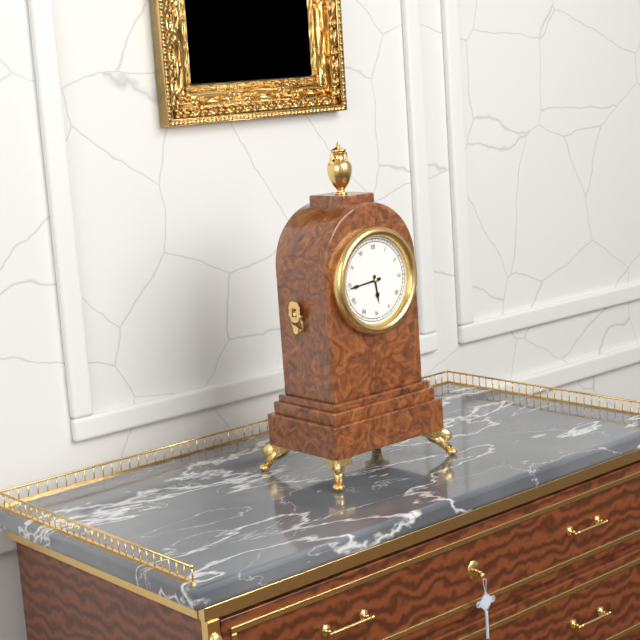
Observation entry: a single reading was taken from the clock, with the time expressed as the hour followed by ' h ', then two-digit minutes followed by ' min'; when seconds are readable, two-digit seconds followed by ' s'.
5 h 44 min
